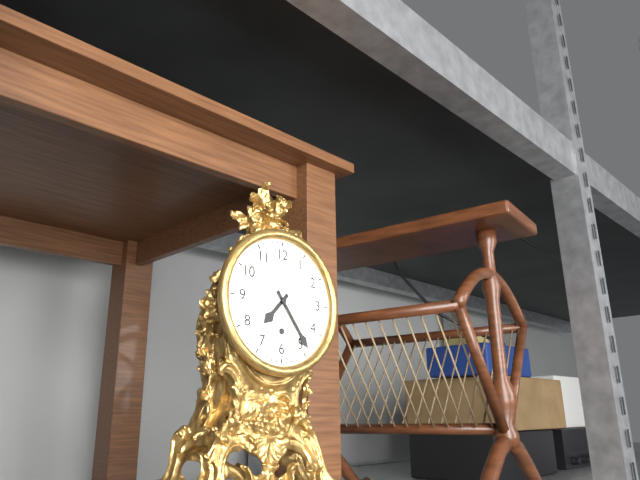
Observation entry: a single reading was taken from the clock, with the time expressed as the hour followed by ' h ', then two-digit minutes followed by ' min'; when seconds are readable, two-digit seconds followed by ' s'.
7 h 24 min
